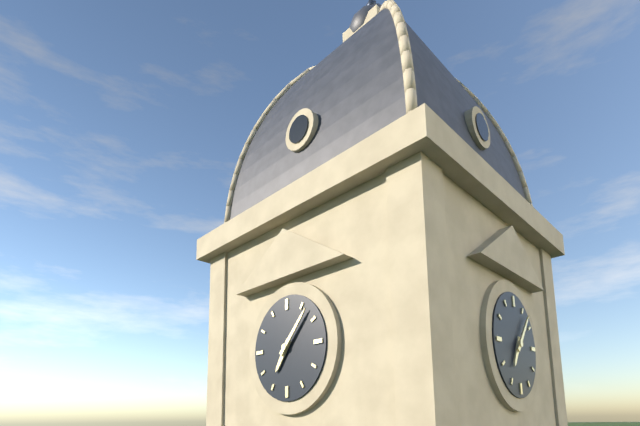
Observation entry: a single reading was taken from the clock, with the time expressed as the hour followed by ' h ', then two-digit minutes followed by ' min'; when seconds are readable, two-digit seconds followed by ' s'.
7 h 07 min
